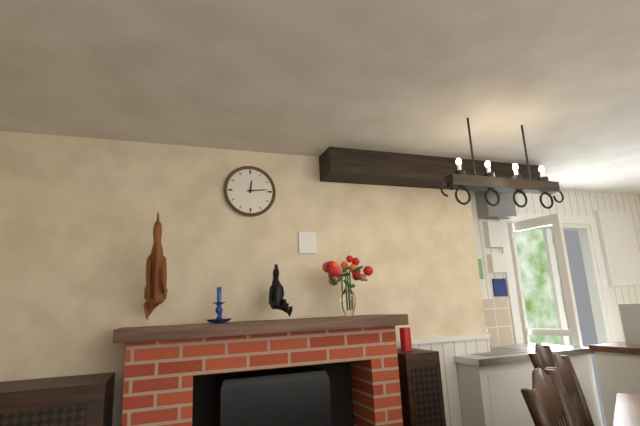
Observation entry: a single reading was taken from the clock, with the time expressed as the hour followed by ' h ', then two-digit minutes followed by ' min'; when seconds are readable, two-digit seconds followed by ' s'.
12 h 14 min
